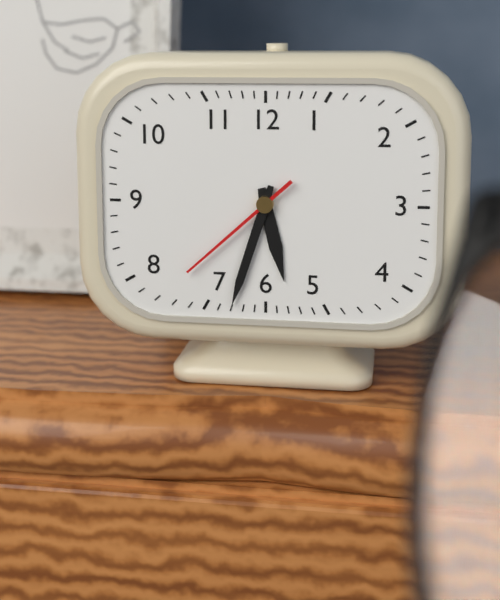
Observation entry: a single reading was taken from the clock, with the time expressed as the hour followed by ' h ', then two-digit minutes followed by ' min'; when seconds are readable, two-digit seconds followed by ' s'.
5 h 33 min 38 s
